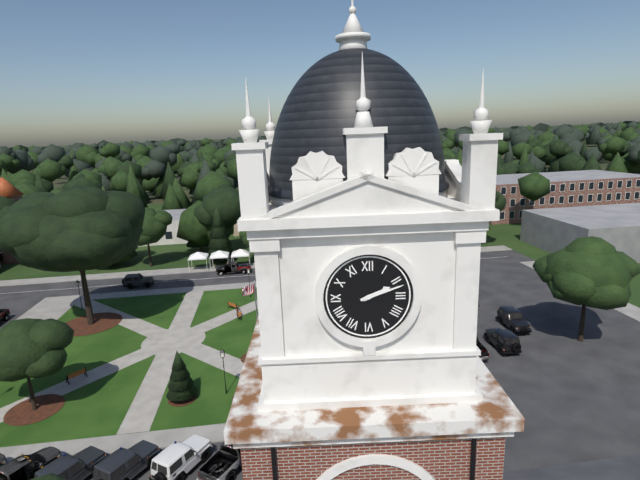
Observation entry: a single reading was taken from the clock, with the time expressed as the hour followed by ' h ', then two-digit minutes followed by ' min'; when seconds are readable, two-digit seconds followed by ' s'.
2 h 12 min
